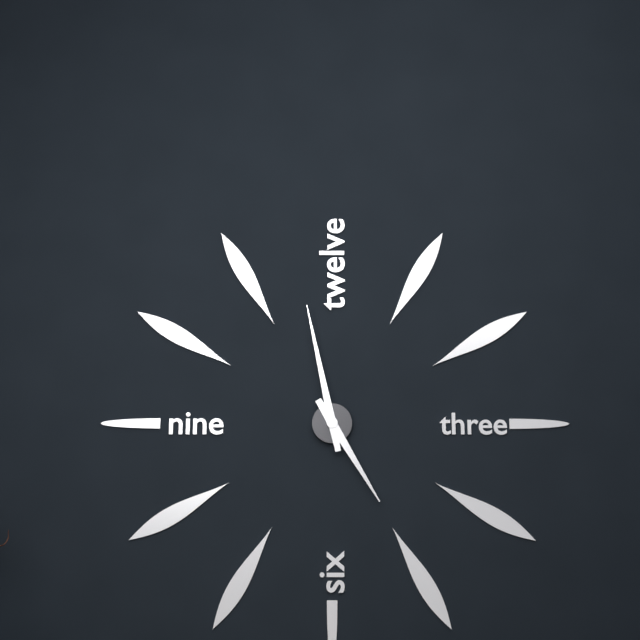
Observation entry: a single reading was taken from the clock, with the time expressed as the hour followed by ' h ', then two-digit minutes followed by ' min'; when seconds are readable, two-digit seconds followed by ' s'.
4 h 58 min
